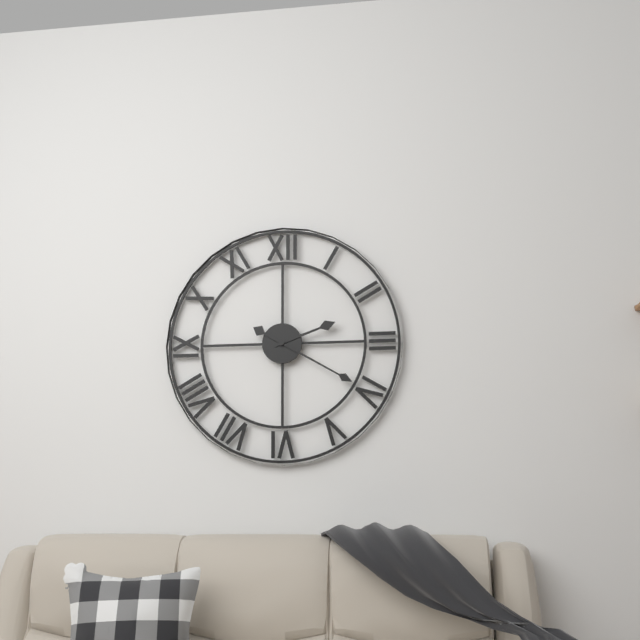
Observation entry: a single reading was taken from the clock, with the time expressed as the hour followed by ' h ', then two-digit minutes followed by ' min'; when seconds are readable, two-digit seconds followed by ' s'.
2 h 20 min
